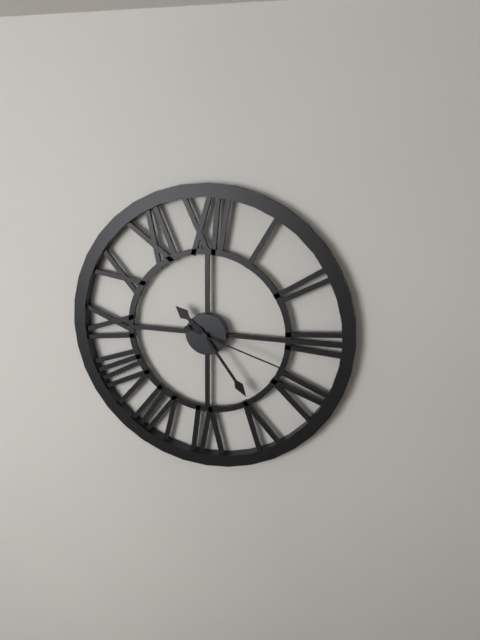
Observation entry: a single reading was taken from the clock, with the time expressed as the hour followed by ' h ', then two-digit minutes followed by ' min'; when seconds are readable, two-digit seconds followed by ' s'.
10 h 24 min 18 s
